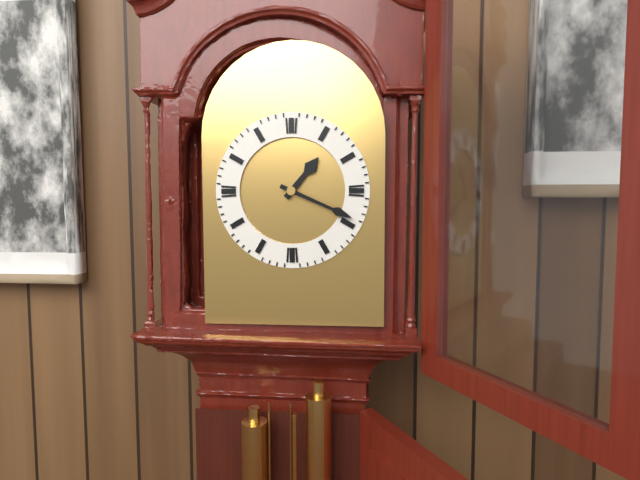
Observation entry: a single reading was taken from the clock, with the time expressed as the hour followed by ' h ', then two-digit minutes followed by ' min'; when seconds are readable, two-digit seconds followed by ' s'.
1 h 19 min
